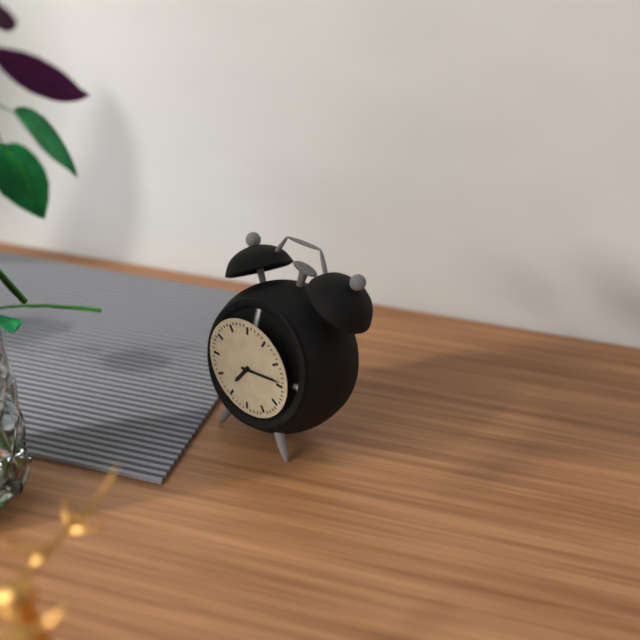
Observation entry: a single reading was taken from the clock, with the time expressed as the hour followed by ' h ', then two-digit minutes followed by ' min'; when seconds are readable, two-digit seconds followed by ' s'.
7 h 14 min
